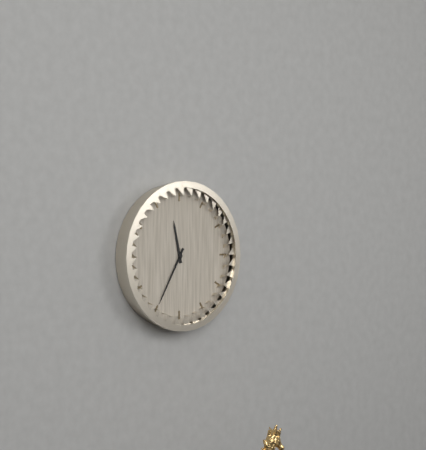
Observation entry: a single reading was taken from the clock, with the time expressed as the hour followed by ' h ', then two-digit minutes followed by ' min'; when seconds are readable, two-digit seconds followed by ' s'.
11 h 35 min
